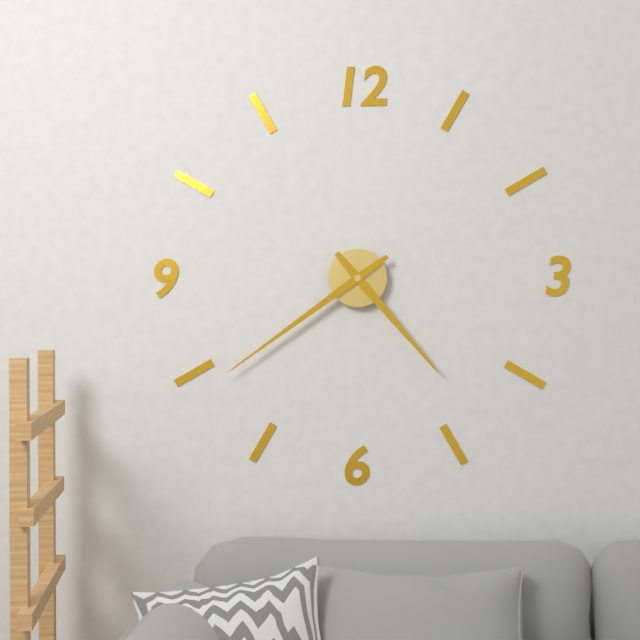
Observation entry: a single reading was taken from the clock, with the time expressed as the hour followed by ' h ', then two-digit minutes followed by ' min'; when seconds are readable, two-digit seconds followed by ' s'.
4 h 39 min
